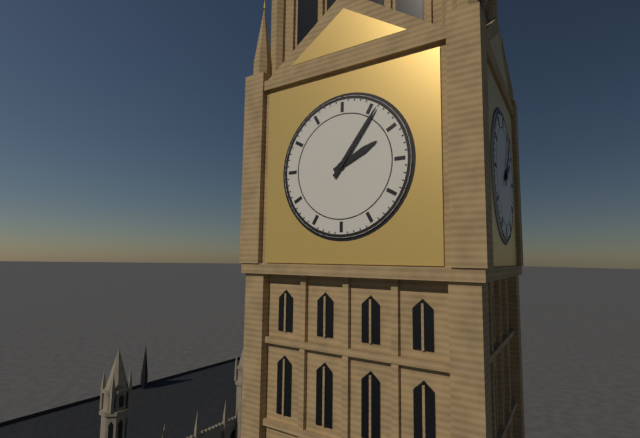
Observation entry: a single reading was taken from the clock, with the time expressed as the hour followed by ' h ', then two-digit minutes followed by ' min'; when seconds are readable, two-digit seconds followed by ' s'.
2 h 06 min
